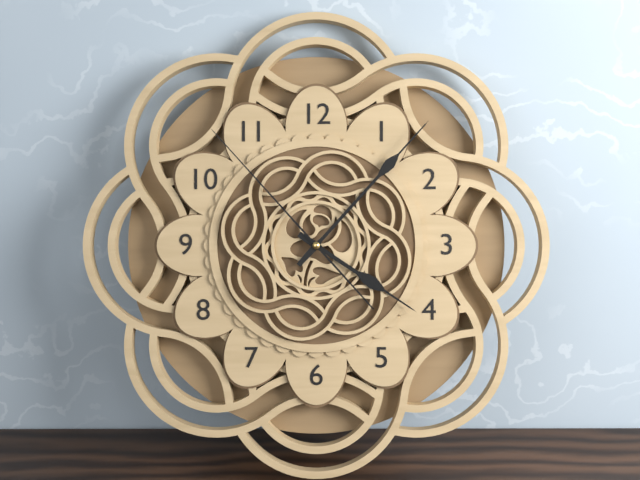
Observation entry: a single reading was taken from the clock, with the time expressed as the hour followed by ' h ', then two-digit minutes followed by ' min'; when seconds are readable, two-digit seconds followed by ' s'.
4 h 07 min 53 s
